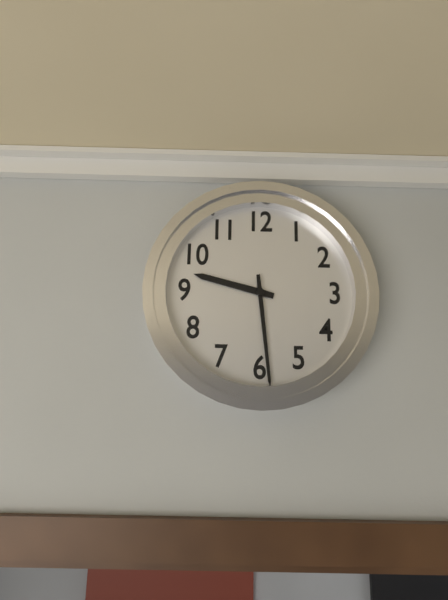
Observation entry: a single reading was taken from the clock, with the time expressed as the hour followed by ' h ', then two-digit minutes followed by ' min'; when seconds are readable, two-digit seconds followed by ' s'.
9 h 29 min
